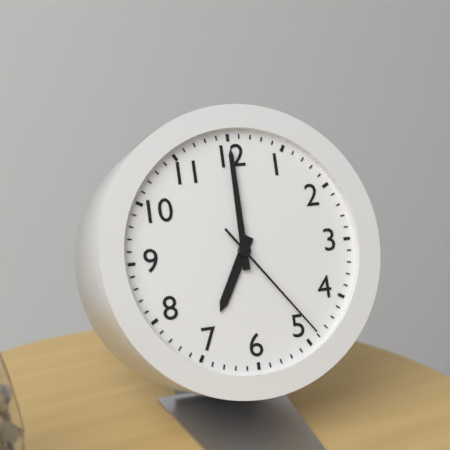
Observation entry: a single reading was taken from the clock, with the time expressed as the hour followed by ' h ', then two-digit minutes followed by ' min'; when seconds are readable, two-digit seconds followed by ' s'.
7 h 00 min 24 s
